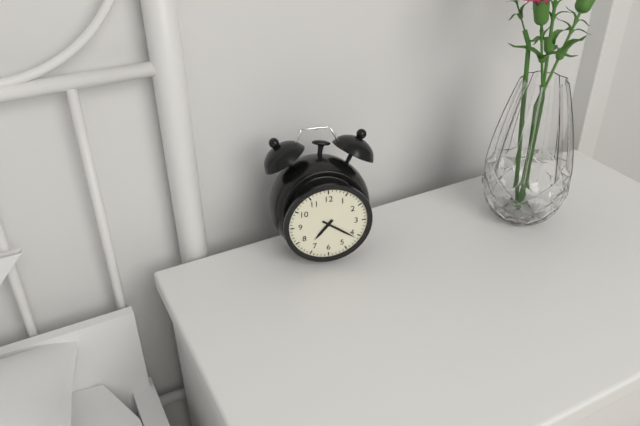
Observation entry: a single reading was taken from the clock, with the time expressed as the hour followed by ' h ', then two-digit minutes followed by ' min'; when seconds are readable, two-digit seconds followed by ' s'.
7 h 21 min
